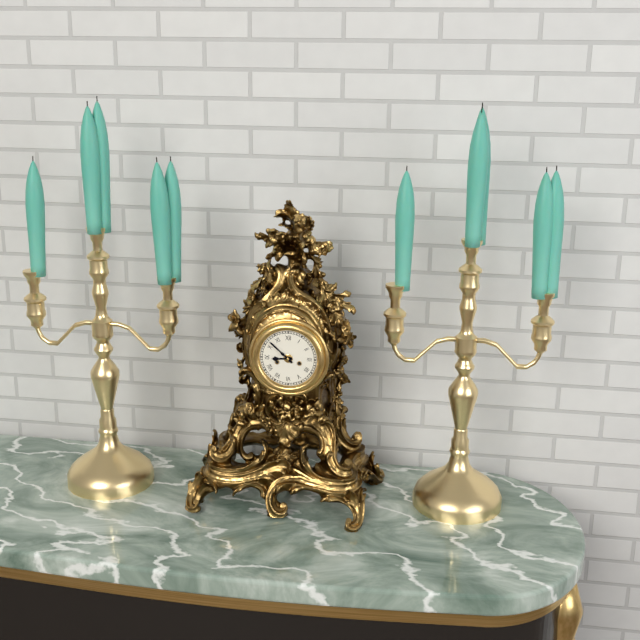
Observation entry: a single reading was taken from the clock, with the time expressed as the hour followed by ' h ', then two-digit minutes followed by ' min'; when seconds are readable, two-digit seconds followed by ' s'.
8 h 52 min
